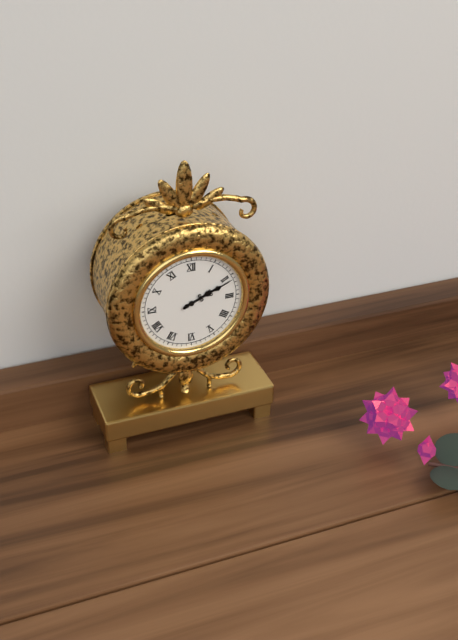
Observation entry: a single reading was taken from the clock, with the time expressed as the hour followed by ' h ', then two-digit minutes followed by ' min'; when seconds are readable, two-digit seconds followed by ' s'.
2 h 11 min
